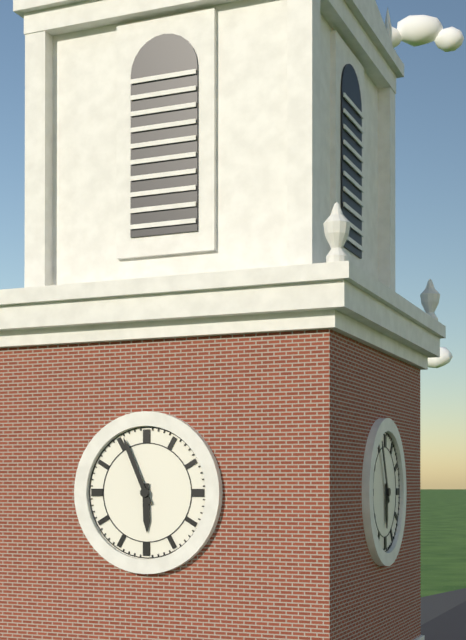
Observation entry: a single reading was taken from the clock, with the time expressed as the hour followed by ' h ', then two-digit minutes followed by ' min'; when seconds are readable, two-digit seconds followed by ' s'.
5 h 56 min
